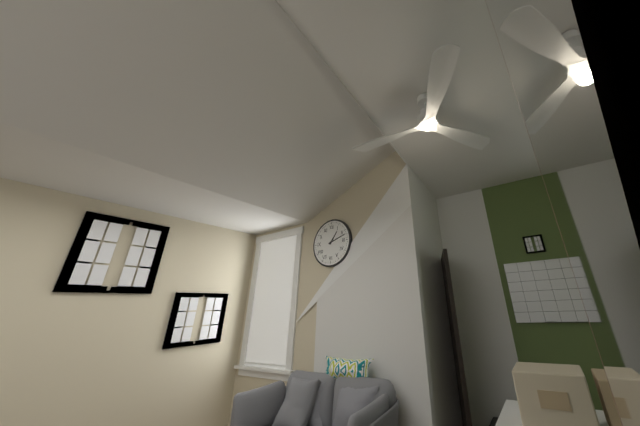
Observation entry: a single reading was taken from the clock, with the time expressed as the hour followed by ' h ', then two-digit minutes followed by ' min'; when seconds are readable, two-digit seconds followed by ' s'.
1 h 12 min
